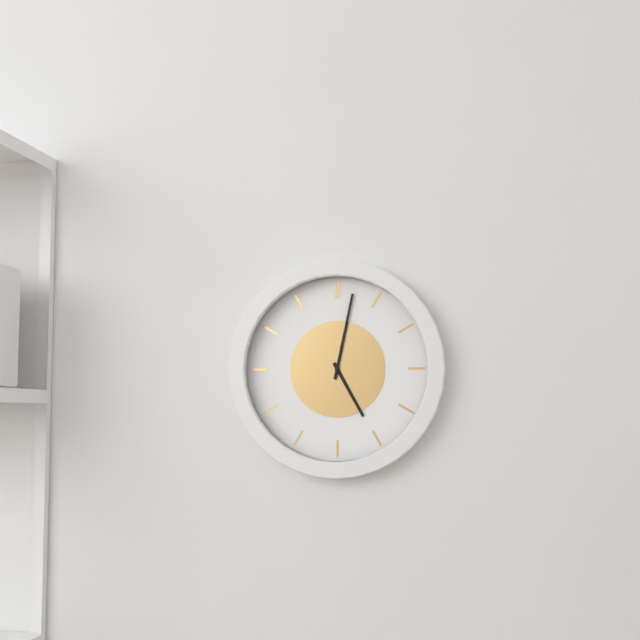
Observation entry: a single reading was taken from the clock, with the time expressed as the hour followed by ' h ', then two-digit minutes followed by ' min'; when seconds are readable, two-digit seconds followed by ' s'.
5 h 02 min
